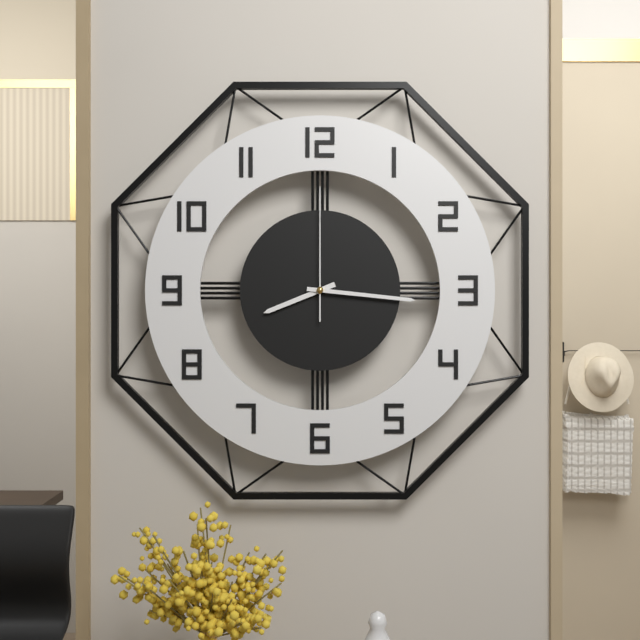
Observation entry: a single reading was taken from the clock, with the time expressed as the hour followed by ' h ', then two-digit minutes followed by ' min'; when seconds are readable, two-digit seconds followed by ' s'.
8 h 16 min 00 s
